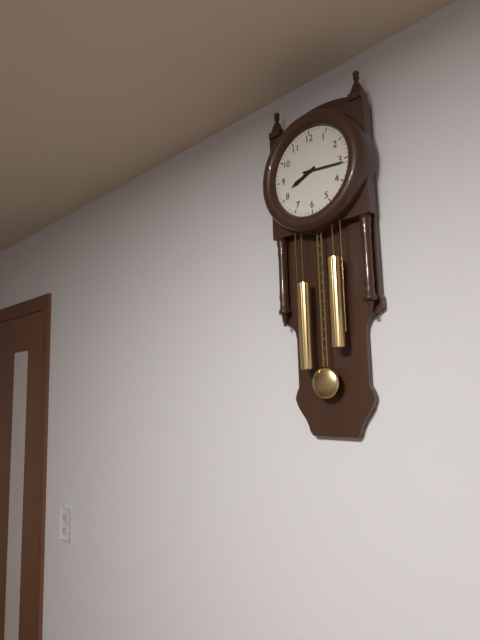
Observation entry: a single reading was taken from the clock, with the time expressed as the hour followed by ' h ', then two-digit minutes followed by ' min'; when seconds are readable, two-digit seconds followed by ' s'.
8 h 16 min
